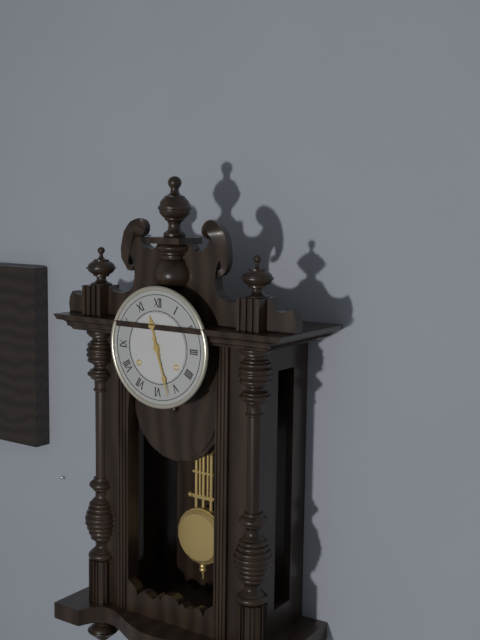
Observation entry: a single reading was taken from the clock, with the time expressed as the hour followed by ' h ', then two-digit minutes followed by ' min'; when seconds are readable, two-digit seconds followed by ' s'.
11 h 27 min
